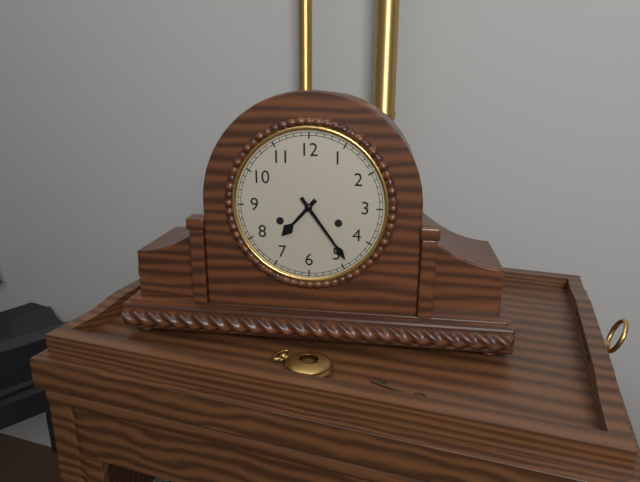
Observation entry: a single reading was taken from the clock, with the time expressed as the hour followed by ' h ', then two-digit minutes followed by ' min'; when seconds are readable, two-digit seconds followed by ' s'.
7 h 24 min
